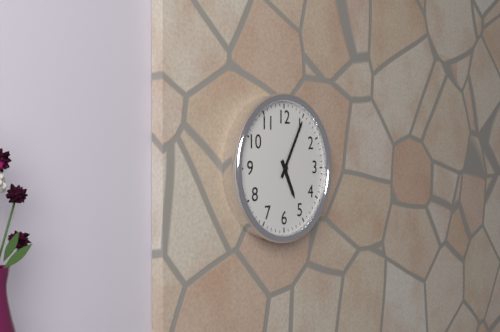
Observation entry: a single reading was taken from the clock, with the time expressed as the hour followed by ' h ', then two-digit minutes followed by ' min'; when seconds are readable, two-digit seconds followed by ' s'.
5 h 05 min
